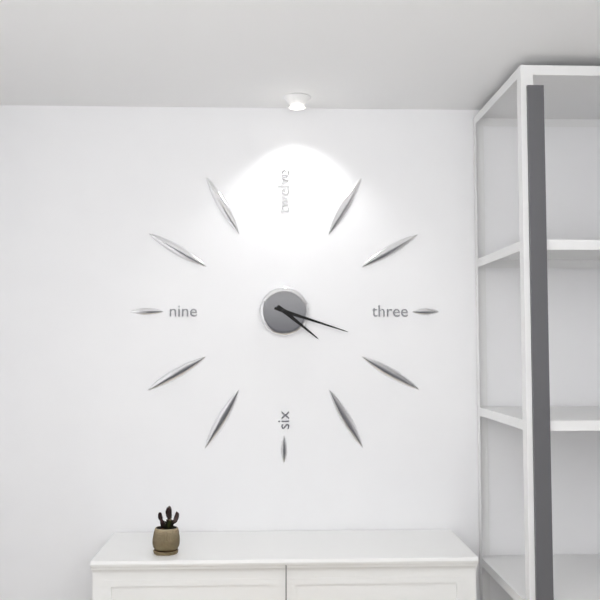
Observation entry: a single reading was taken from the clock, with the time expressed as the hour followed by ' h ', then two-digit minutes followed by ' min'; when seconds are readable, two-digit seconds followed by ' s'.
4 h 18 min
